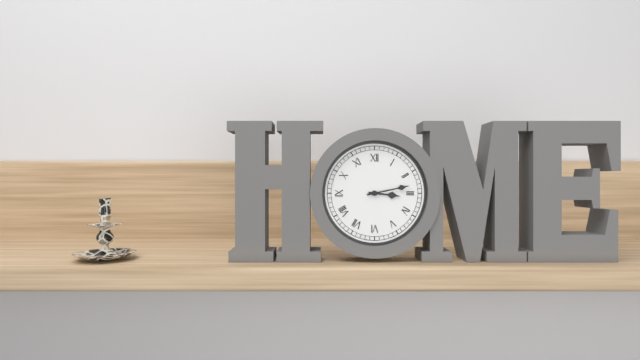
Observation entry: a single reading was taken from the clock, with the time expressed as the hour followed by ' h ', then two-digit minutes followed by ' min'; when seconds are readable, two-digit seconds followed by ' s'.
3 h 13 min
